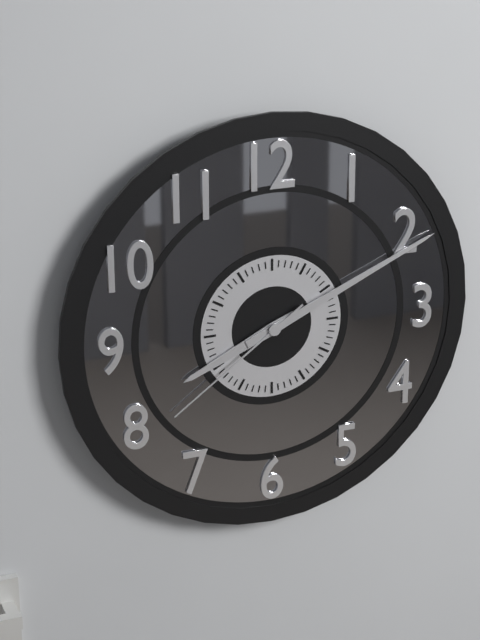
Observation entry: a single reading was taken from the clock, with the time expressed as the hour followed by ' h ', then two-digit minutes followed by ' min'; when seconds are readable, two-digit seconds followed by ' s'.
8 h 11 min 39 s
